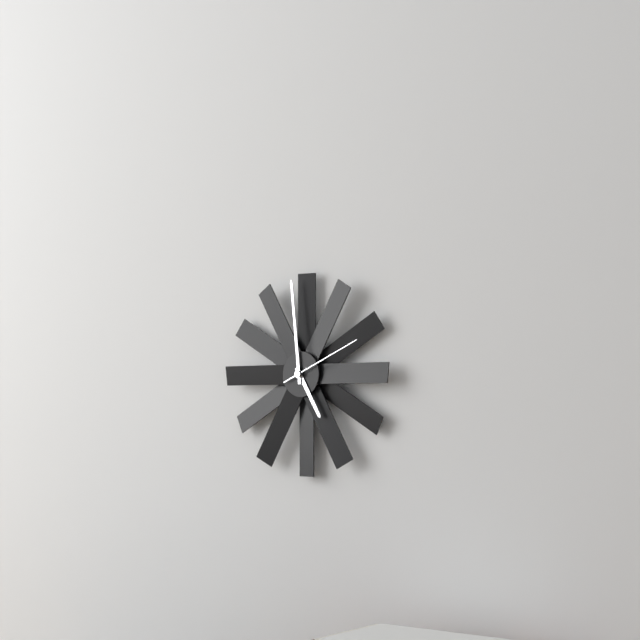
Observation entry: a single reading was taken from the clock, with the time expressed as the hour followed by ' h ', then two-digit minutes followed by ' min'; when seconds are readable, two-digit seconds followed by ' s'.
4 h 59 min 11 s
